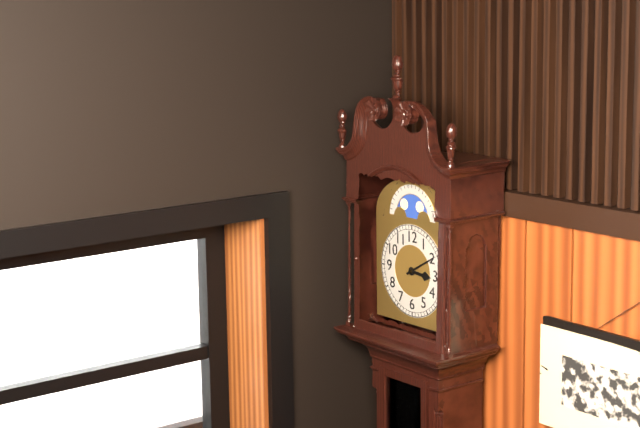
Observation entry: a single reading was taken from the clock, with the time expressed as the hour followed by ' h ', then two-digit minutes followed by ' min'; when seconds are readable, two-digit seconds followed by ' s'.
3 h 10 min
